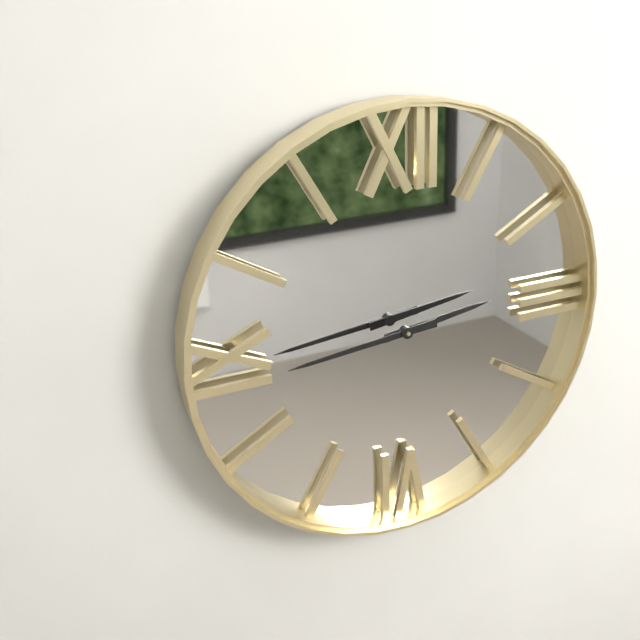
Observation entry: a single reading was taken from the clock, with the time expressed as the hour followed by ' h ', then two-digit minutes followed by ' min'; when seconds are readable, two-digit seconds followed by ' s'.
2 h 44 min
